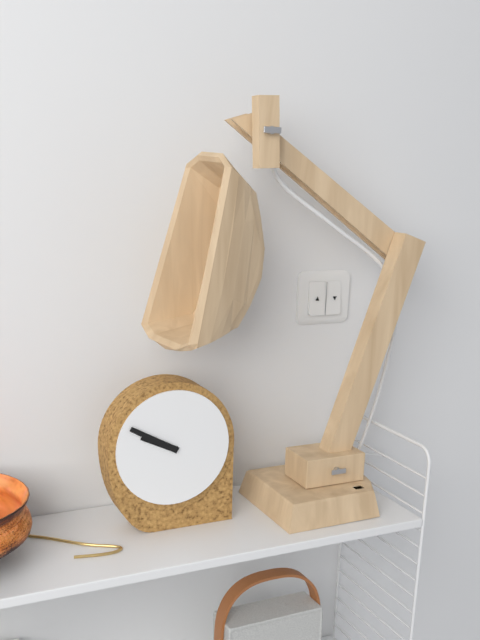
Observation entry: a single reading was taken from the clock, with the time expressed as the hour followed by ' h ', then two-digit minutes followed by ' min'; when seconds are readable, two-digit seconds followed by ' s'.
9 h 50 min
